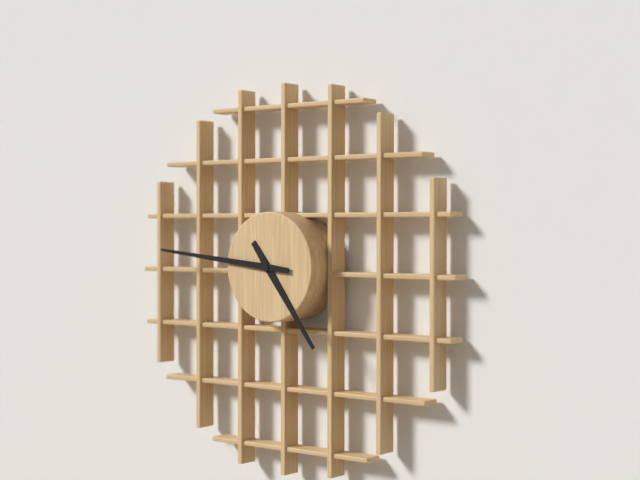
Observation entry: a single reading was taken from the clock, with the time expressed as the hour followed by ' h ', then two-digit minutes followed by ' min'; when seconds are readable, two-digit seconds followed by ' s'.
4 h 46 min
